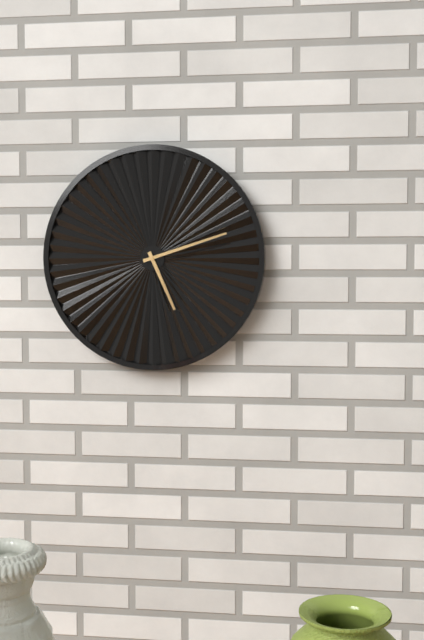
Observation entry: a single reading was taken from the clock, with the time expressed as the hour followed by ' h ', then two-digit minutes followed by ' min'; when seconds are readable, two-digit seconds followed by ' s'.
5 h 12 min
